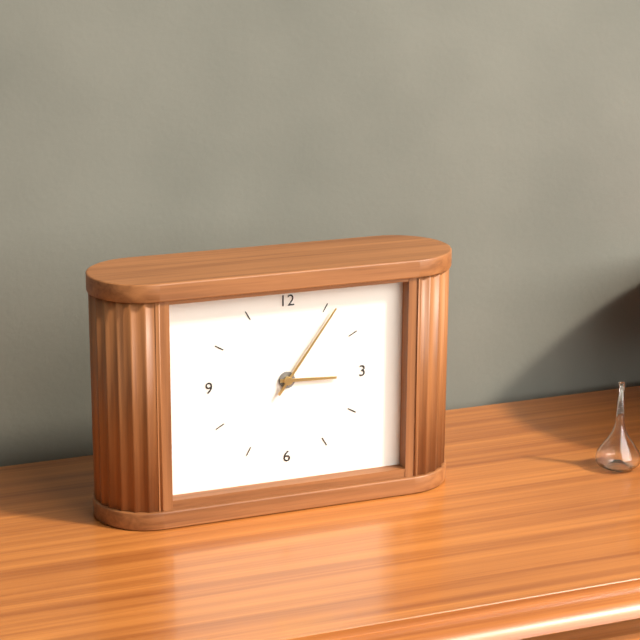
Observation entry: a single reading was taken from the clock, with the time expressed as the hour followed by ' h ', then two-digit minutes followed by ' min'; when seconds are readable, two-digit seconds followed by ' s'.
3 h 06 min
